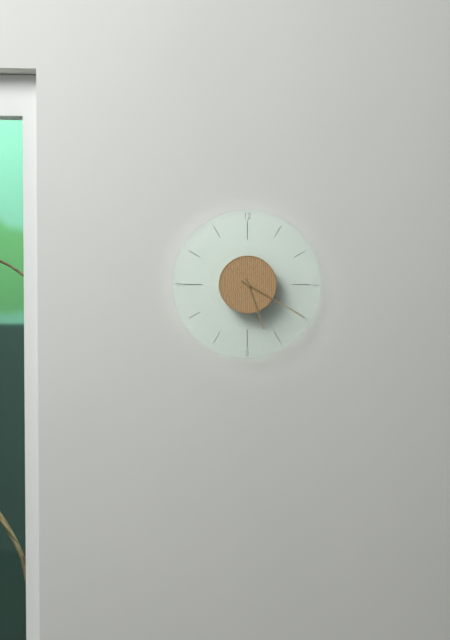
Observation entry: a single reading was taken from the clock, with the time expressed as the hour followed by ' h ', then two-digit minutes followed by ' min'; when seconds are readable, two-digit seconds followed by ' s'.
5 h 20 min
